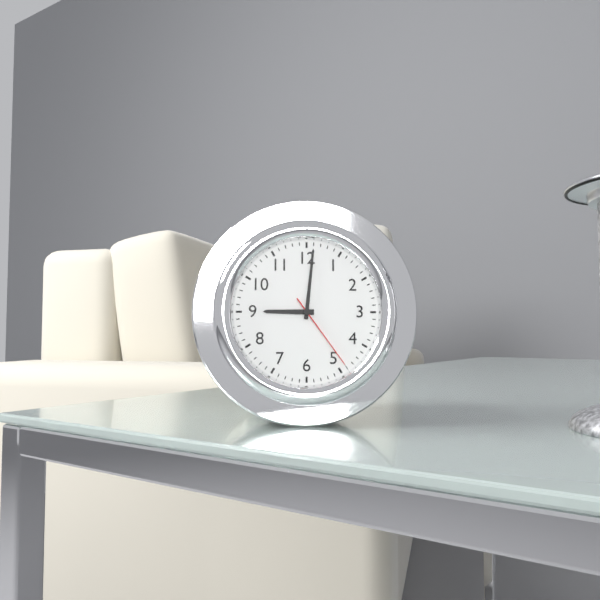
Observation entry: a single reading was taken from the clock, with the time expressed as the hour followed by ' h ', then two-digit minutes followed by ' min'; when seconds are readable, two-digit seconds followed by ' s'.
9 h 01 min 24 s
